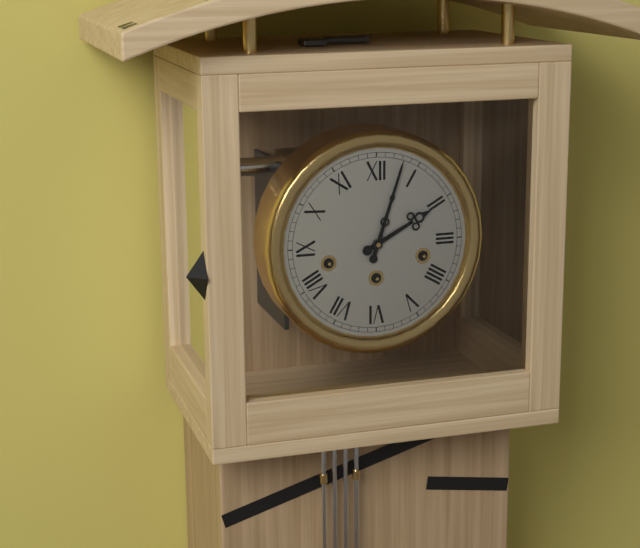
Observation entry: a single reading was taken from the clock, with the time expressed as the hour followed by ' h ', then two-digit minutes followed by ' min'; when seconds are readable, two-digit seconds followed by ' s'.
2 h 03 min
